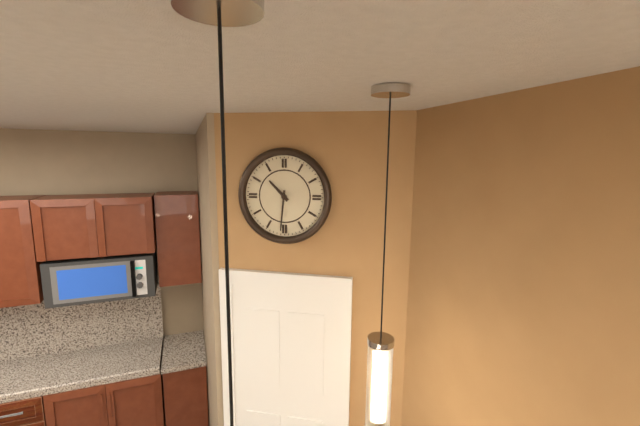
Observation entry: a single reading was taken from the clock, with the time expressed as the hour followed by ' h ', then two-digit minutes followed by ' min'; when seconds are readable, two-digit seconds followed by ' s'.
10 h 31 min
